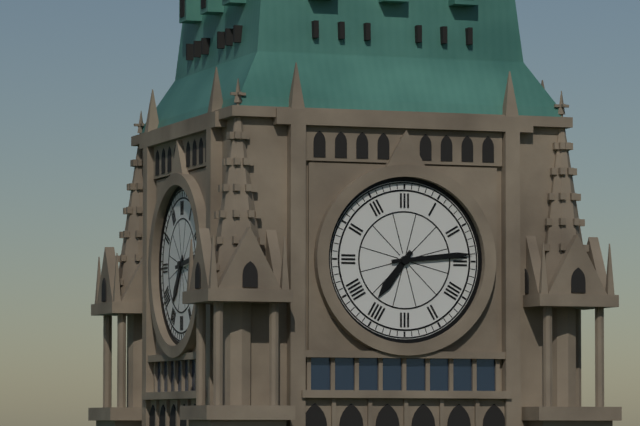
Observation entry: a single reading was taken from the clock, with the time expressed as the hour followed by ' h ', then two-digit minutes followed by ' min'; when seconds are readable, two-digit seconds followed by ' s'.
7 h 14 min
